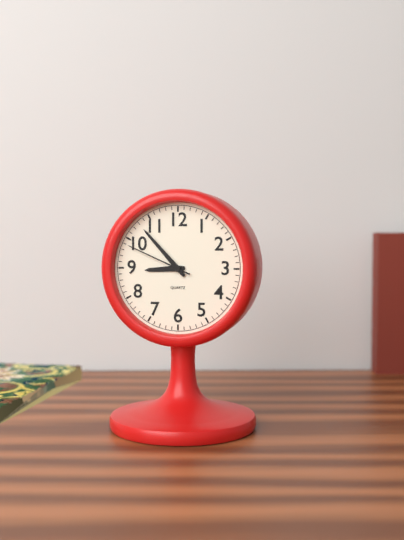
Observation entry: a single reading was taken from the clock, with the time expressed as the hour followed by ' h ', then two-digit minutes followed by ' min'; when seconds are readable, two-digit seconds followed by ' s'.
8 h 53 min 49 s
